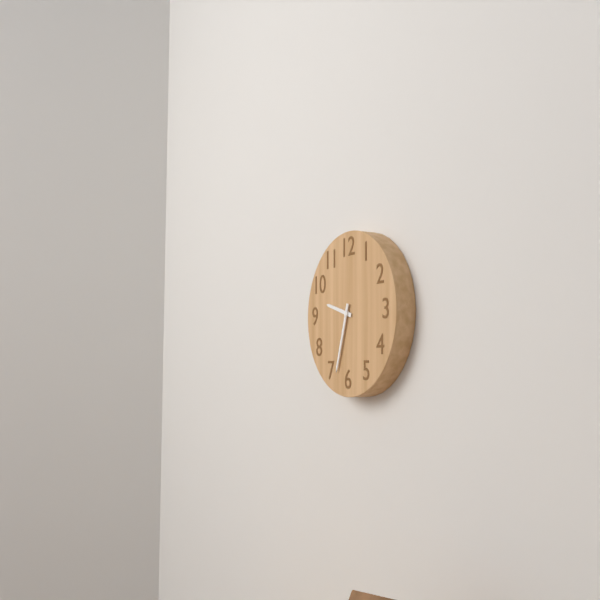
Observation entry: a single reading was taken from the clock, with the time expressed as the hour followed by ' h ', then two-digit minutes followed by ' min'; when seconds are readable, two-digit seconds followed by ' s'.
9 h 33 min
